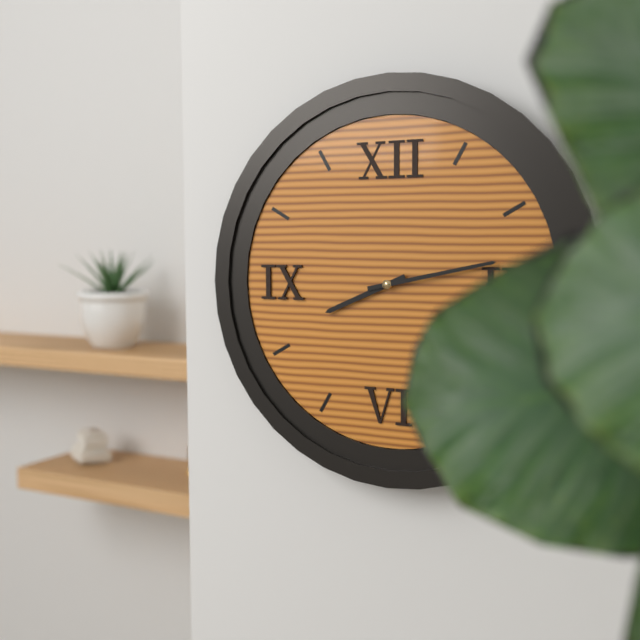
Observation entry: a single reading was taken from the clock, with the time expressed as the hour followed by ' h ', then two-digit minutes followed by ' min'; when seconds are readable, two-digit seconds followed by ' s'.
8 h 13 min
